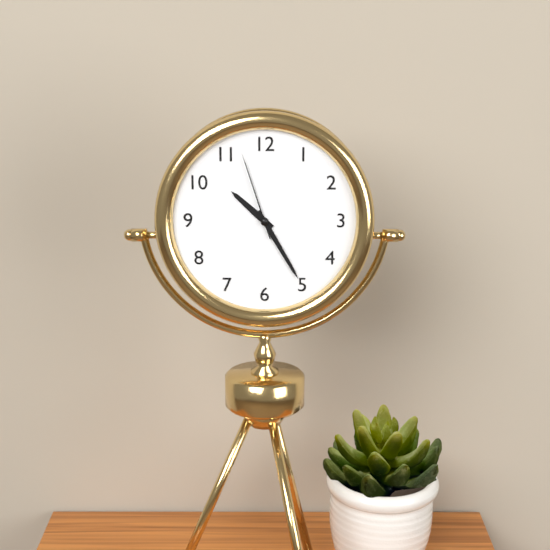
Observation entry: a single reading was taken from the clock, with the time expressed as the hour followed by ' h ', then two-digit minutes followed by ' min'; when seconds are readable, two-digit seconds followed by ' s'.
10 h 25 min 57 s
